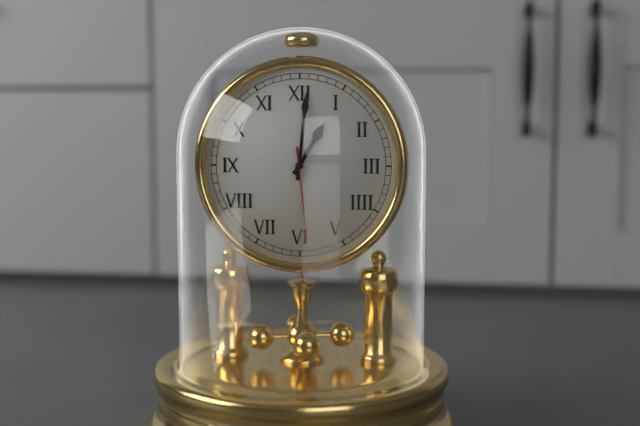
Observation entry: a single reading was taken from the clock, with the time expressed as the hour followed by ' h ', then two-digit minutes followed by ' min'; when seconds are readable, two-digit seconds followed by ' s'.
1 h 01 min 29 s
